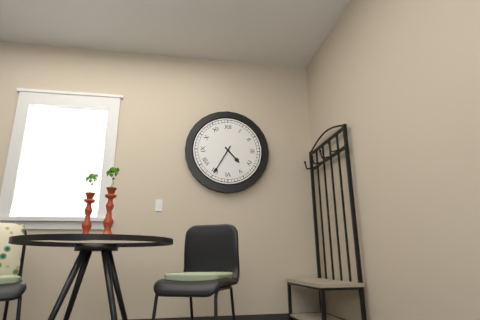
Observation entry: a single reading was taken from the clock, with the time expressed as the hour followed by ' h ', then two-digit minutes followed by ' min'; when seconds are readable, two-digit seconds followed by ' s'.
4 h 35 min
